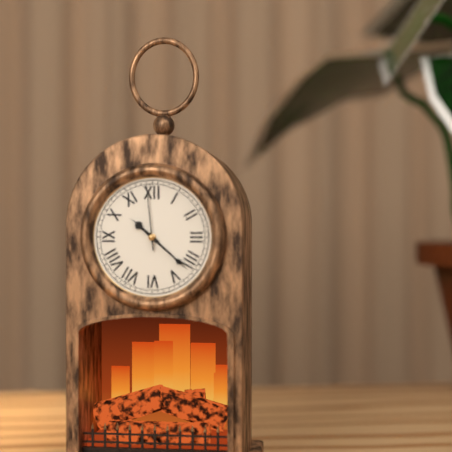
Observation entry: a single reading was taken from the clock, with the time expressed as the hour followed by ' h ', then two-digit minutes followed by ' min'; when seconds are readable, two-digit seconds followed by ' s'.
10 h 22 min 59 s
